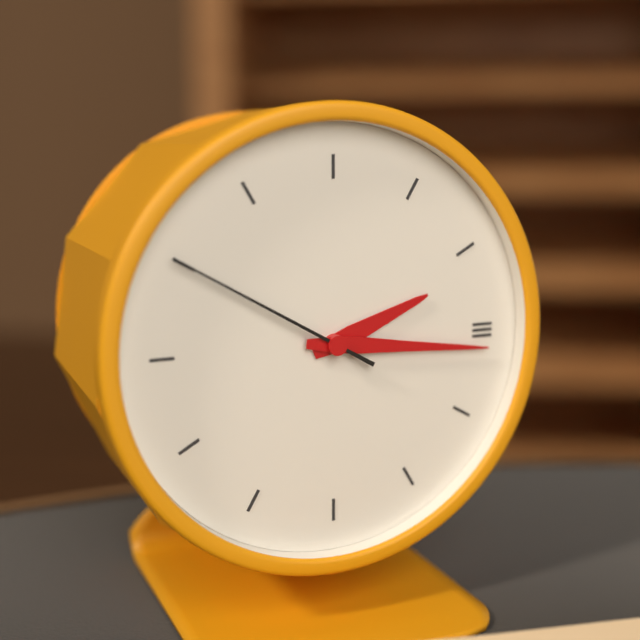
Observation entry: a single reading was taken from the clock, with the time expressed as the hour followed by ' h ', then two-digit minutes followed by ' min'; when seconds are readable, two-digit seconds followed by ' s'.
2 h 16 min 50 s
